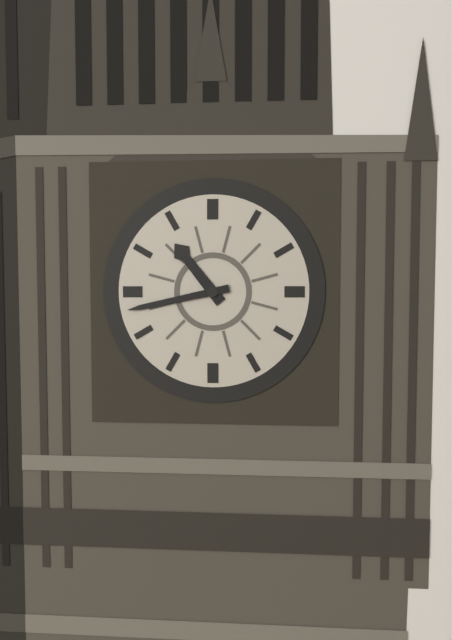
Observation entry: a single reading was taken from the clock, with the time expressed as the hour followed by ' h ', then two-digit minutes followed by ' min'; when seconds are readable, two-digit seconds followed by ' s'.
10 h 43 min
